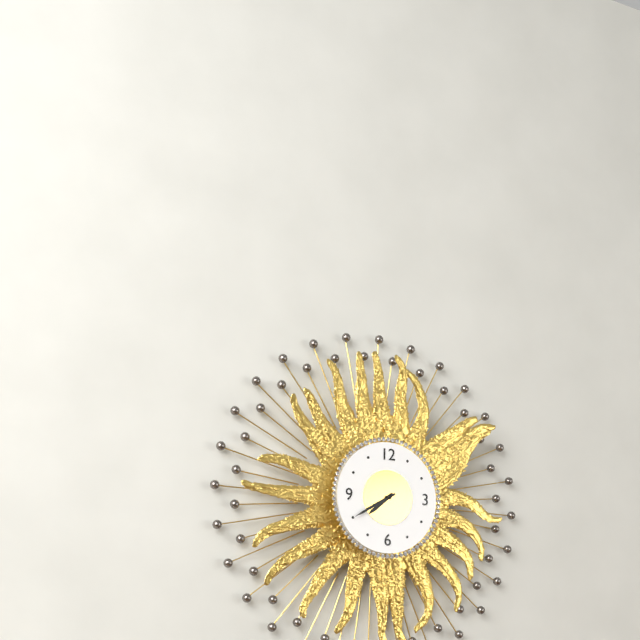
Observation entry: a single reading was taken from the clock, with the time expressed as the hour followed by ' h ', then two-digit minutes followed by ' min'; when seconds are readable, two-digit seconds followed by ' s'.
7 h 40 min
